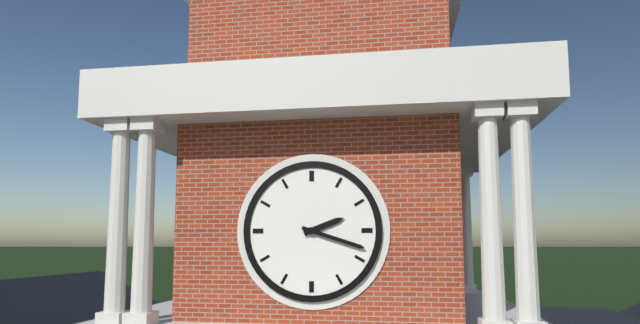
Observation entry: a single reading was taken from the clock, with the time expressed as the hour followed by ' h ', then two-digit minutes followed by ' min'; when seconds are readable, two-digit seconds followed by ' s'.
2 h 18 min
